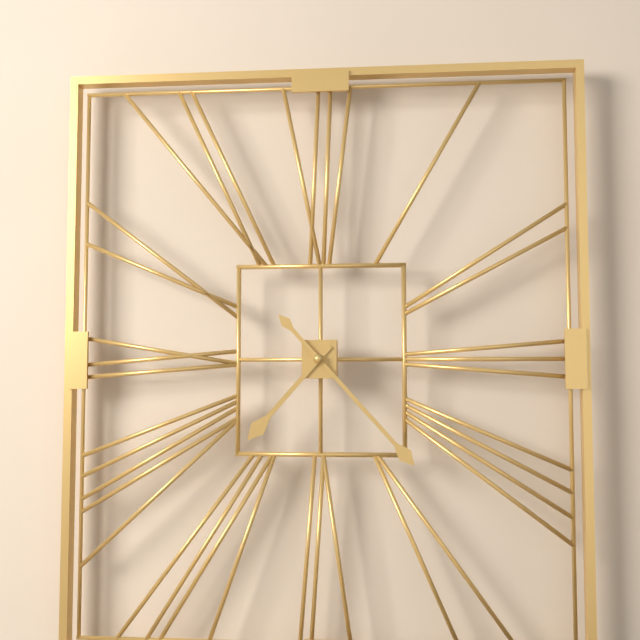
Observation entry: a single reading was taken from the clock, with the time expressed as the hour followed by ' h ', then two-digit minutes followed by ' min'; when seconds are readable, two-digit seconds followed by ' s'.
7 h 23 min
